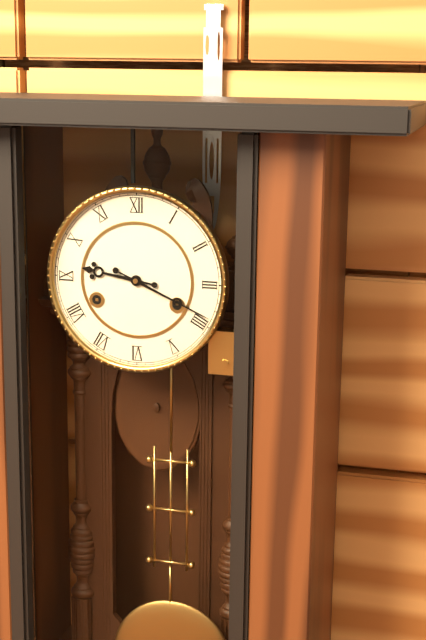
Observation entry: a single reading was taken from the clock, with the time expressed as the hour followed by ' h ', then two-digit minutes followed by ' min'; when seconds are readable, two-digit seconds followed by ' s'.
9 h 19 min
